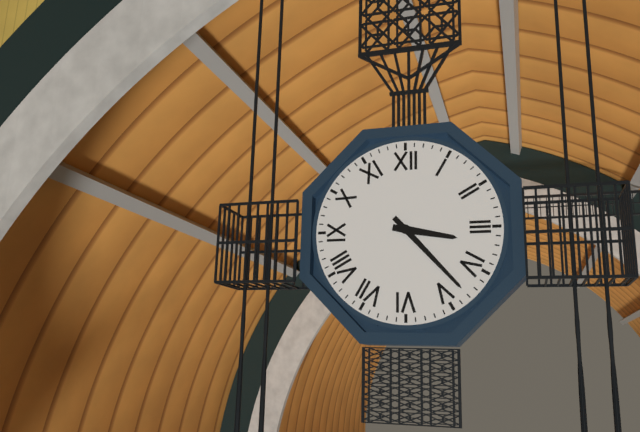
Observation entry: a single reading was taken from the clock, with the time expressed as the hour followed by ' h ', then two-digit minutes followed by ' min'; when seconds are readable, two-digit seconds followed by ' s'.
3 h 23 min
